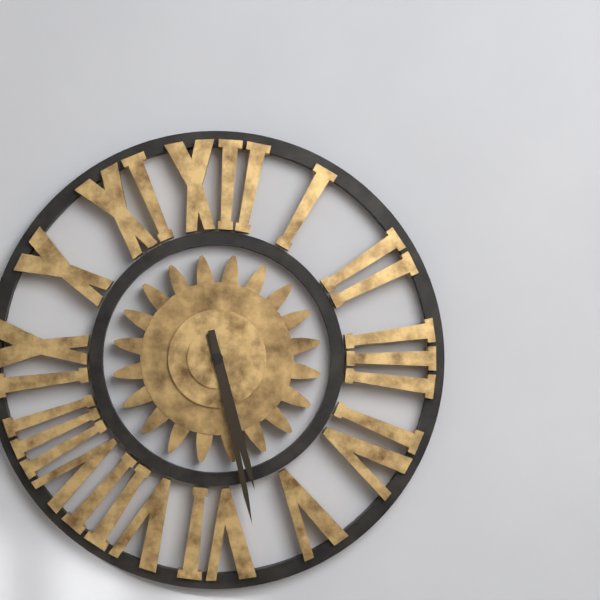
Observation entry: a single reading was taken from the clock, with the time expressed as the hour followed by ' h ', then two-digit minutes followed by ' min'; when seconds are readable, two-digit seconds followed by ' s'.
5 h 28 min
